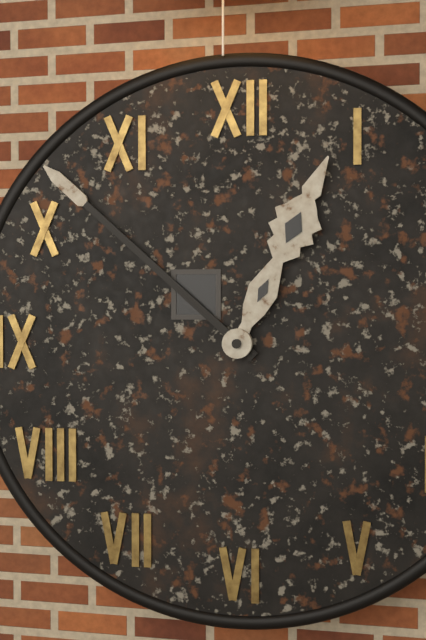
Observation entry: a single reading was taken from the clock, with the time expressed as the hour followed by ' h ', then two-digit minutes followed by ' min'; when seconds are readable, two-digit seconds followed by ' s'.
12 h 52 min
